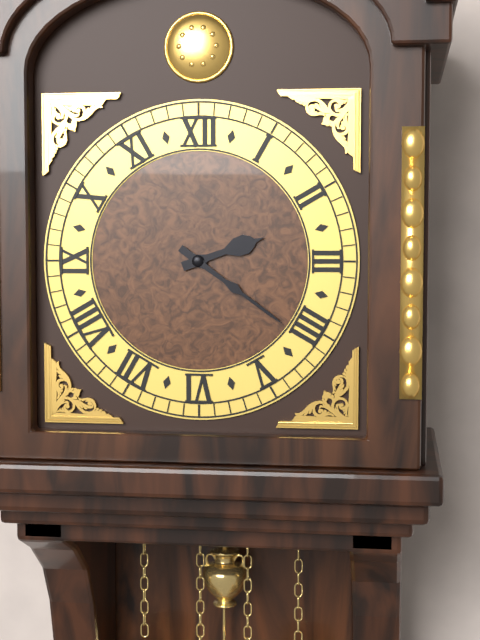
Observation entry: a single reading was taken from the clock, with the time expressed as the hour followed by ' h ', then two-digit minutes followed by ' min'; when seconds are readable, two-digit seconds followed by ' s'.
2 h 21 min
